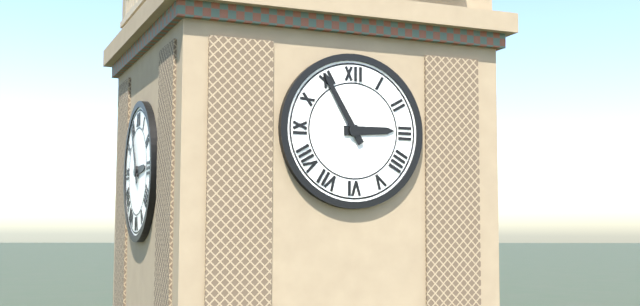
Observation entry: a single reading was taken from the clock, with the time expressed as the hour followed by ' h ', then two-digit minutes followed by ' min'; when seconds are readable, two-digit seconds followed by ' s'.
2 h 55 min
